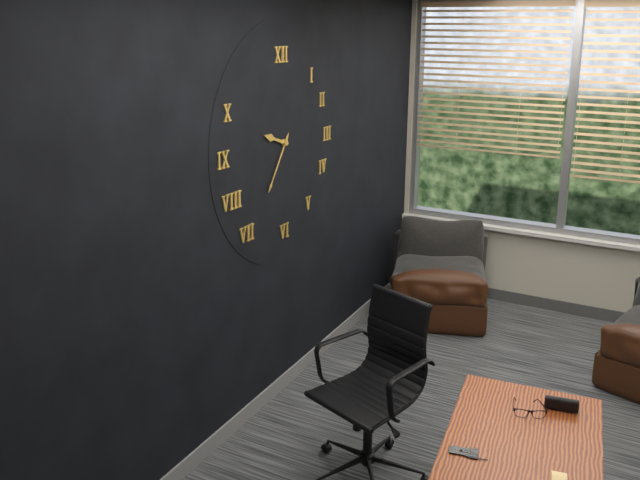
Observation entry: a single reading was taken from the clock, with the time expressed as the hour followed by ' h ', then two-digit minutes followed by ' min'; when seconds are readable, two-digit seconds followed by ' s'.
9 h 36 min
